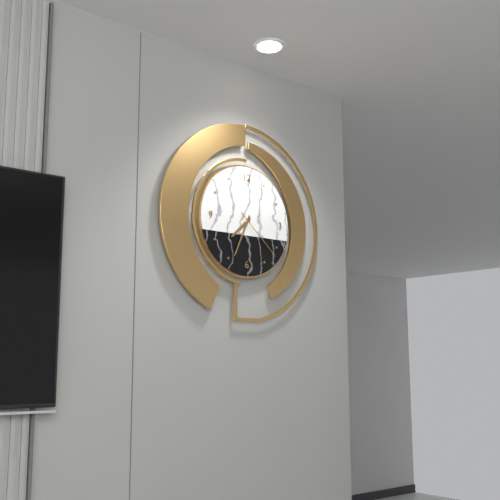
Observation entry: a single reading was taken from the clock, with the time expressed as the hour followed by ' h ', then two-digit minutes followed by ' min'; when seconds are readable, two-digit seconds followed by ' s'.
7 h 34 min 22 s
